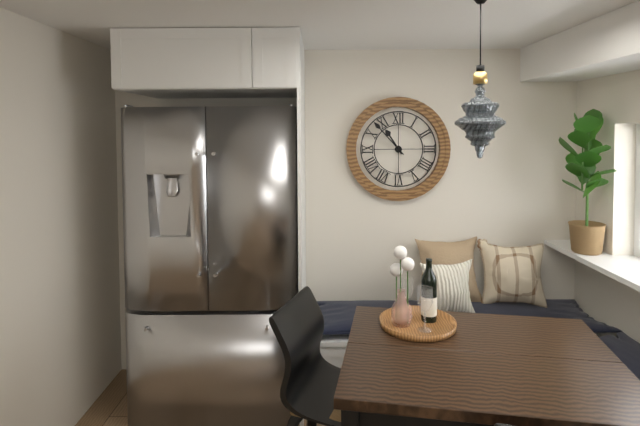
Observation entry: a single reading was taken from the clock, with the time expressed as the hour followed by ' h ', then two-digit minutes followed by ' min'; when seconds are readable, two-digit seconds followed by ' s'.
10 h 53 min
